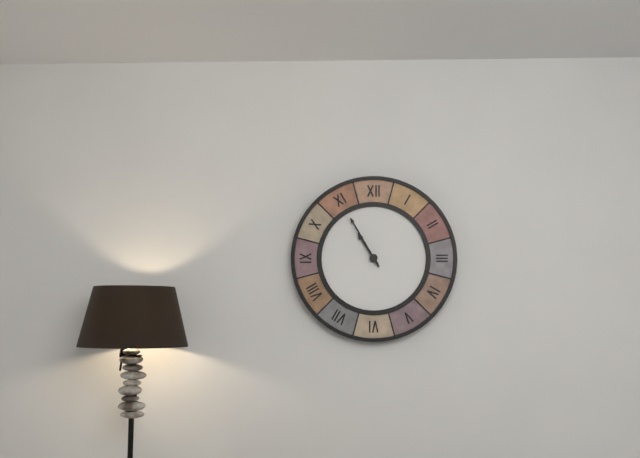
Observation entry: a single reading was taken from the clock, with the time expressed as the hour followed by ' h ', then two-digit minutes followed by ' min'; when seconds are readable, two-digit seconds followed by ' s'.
10 h 55 min
